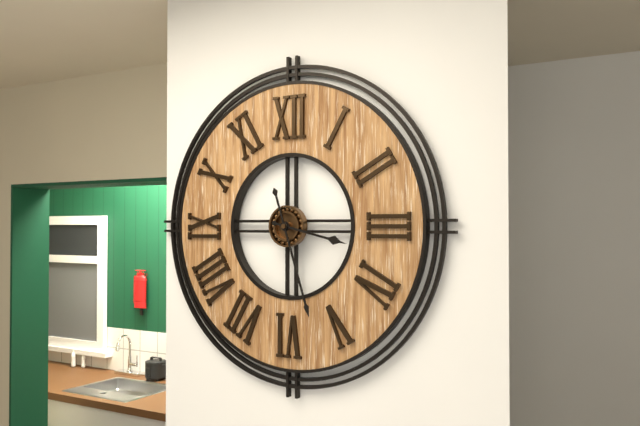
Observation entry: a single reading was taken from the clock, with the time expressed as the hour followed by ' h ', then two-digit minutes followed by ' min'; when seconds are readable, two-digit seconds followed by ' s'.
3 h 27 min
